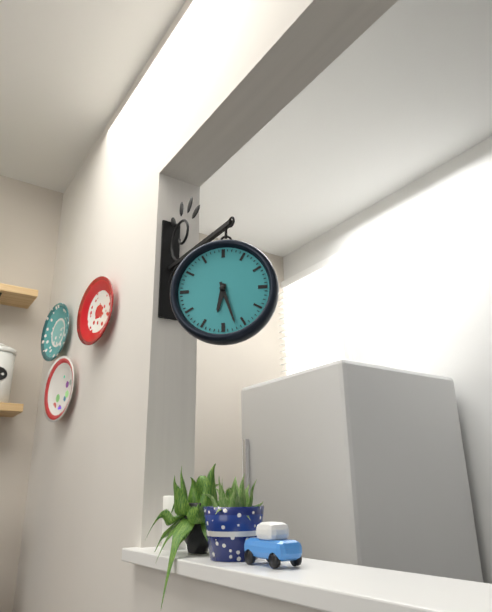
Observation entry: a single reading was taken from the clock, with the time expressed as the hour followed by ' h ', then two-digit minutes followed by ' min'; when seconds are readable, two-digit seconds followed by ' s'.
6 h 27 min
